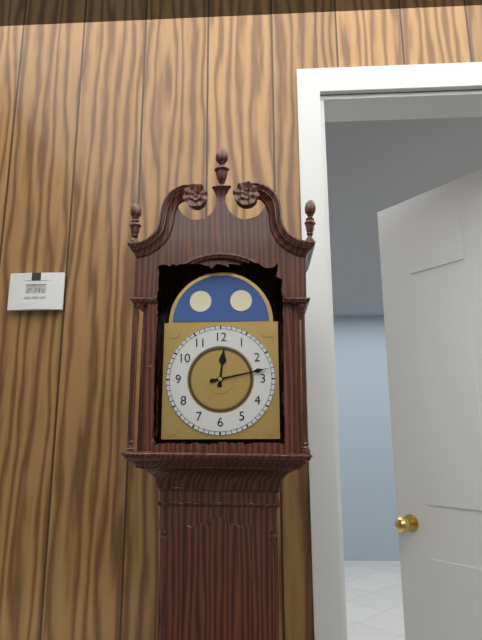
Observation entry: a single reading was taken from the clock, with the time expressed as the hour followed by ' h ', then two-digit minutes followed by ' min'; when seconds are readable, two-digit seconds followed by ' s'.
12 h 13 min
